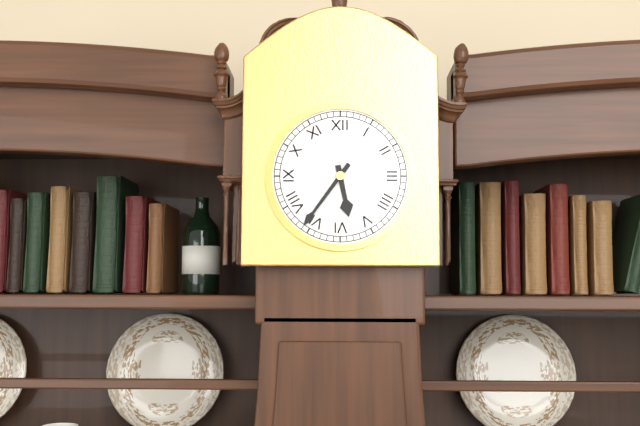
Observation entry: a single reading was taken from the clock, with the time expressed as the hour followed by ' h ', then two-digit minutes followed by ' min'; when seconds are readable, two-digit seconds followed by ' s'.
5 h 36 min
